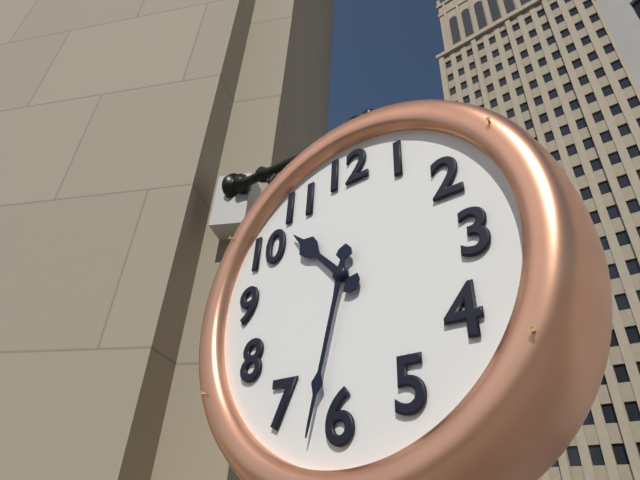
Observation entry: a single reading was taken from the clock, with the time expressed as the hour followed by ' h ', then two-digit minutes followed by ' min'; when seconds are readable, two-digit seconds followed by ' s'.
10 h 32 min
